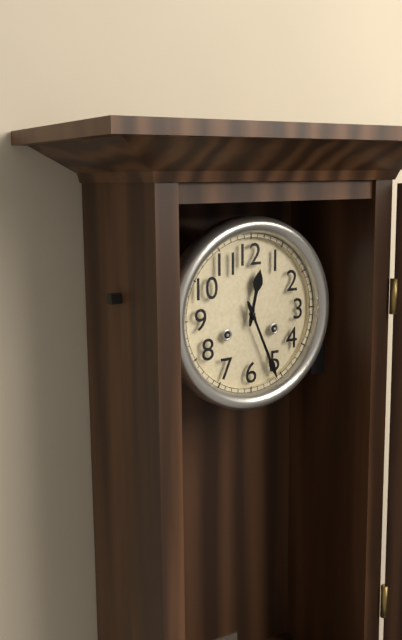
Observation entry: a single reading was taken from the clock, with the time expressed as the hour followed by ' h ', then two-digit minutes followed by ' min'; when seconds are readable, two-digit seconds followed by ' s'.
12 h 26 min
